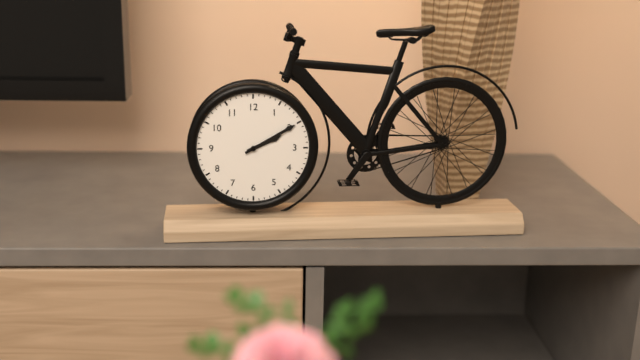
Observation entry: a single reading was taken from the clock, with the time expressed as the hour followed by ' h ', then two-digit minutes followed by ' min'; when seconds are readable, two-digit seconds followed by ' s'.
2 h 10 min
